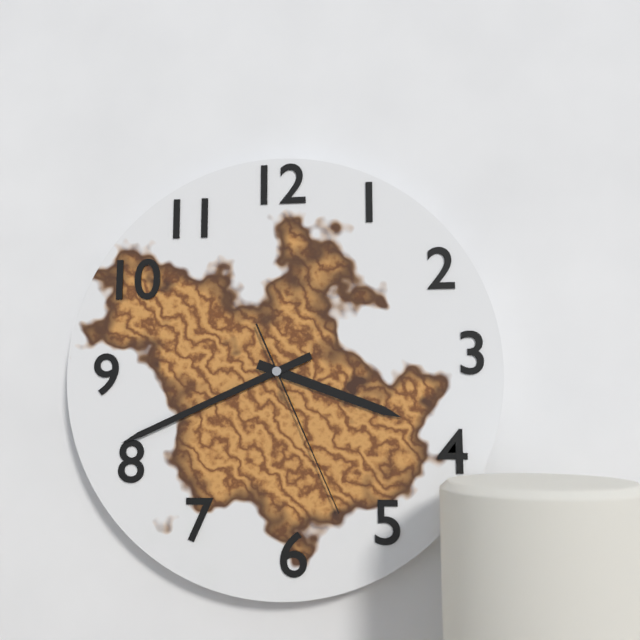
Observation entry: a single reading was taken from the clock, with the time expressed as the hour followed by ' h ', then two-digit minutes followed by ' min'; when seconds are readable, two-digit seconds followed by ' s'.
3 h 41 min 26 s
